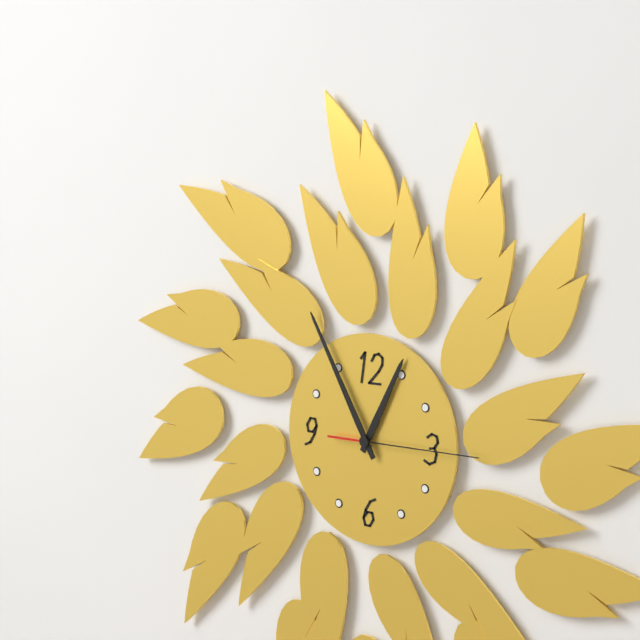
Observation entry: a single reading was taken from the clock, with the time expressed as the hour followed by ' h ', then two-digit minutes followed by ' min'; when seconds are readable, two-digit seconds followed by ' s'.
12 h 55 min 15 s
